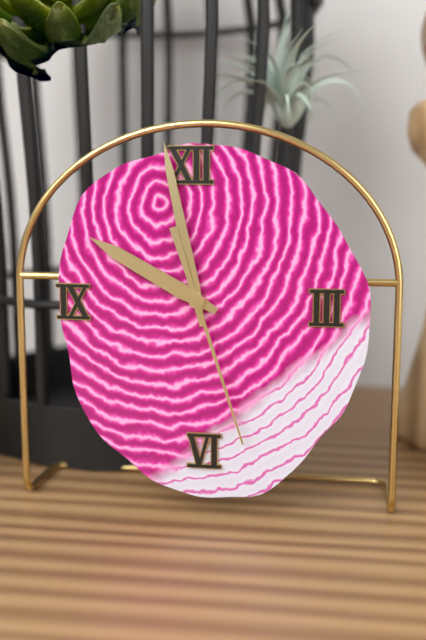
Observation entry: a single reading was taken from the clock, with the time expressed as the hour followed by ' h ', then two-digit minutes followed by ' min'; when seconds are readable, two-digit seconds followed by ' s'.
9 h 58 min 27 s
